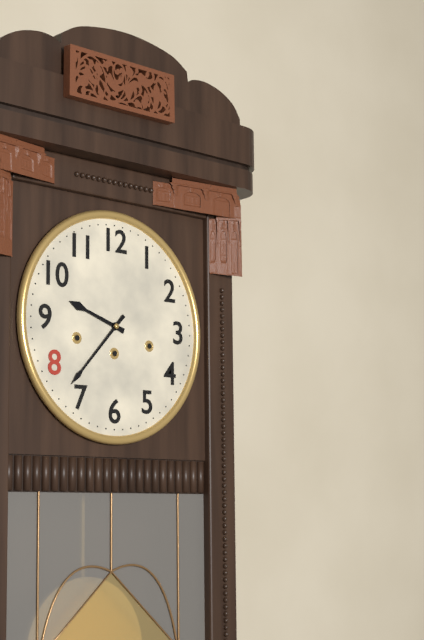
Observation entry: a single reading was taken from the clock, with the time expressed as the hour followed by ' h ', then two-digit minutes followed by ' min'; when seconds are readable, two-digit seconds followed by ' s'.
9 h 37 min
